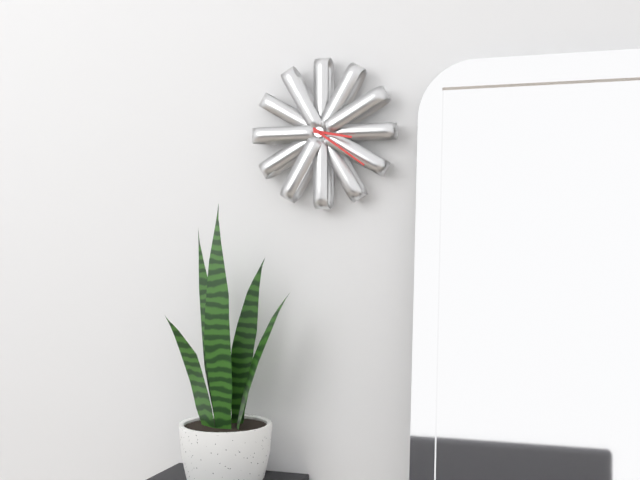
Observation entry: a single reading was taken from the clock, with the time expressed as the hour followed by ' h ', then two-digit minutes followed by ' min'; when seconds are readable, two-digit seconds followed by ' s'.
3 h 21 min
